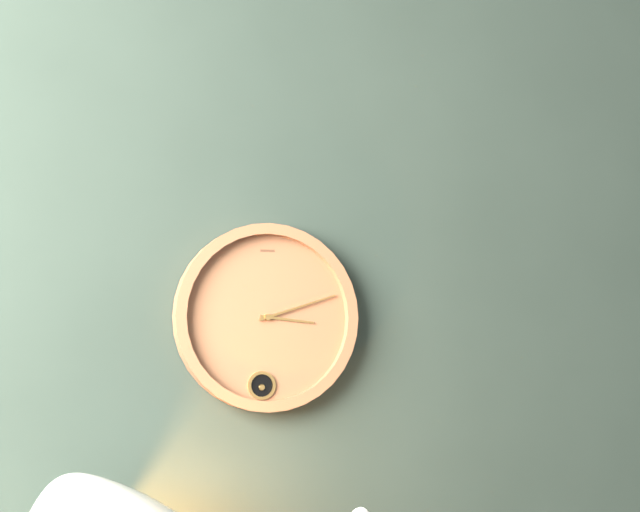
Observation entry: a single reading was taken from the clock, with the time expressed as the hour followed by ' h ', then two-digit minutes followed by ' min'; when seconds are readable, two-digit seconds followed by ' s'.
3 h 12 min
